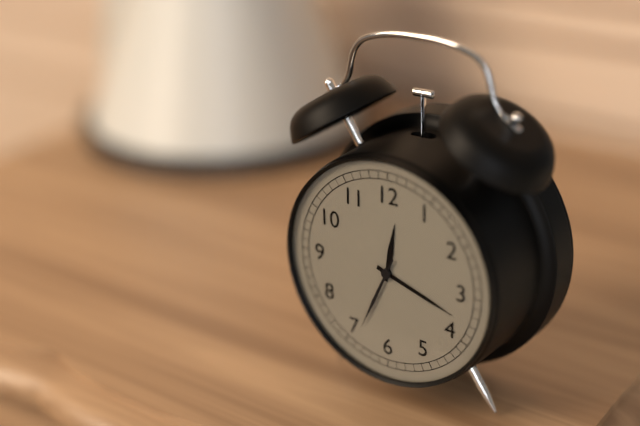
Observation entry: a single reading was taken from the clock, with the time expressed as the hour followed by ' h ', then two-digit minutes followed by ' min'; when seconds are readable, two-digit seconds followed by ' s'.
12 h 18 min 34 s
